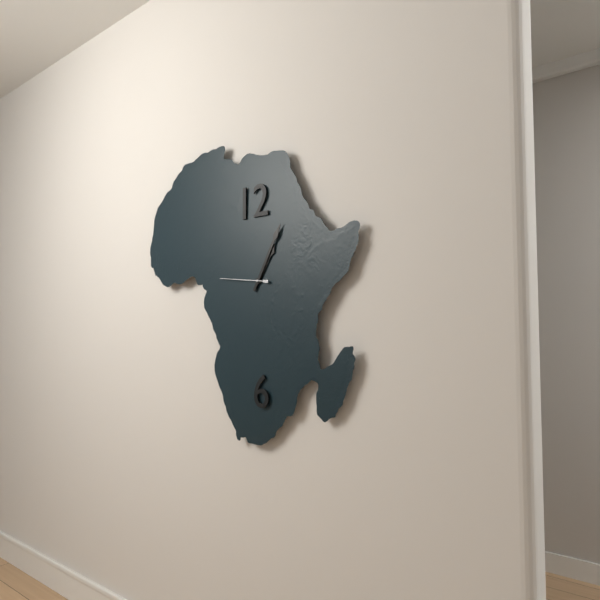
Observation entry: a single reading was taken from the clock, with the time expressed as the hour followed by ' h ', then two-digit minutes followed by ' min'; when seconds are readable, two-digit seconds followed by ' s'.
1 h 05 min 46 s
